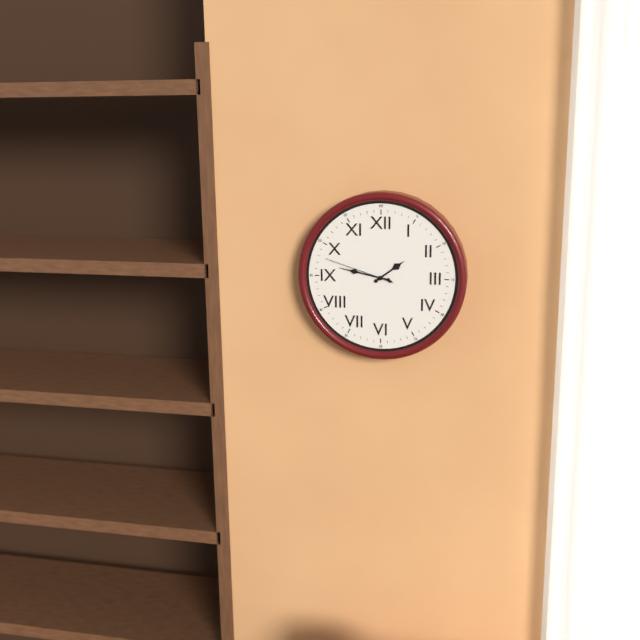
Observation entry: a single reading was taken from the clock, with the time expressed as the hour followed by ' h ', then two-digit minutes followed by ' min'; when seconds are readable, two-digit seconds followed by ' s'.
1 h 47 min 48 s
